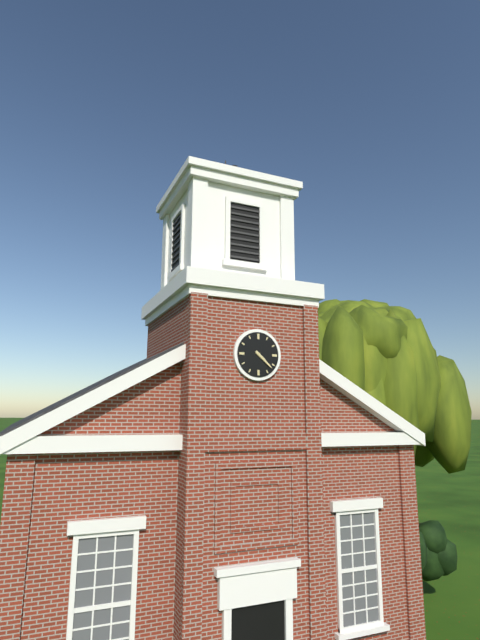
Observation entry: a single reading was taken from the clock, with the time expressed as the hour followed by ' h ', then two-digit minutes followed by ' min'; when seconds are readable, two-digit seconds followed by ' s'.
4 h 22 min
